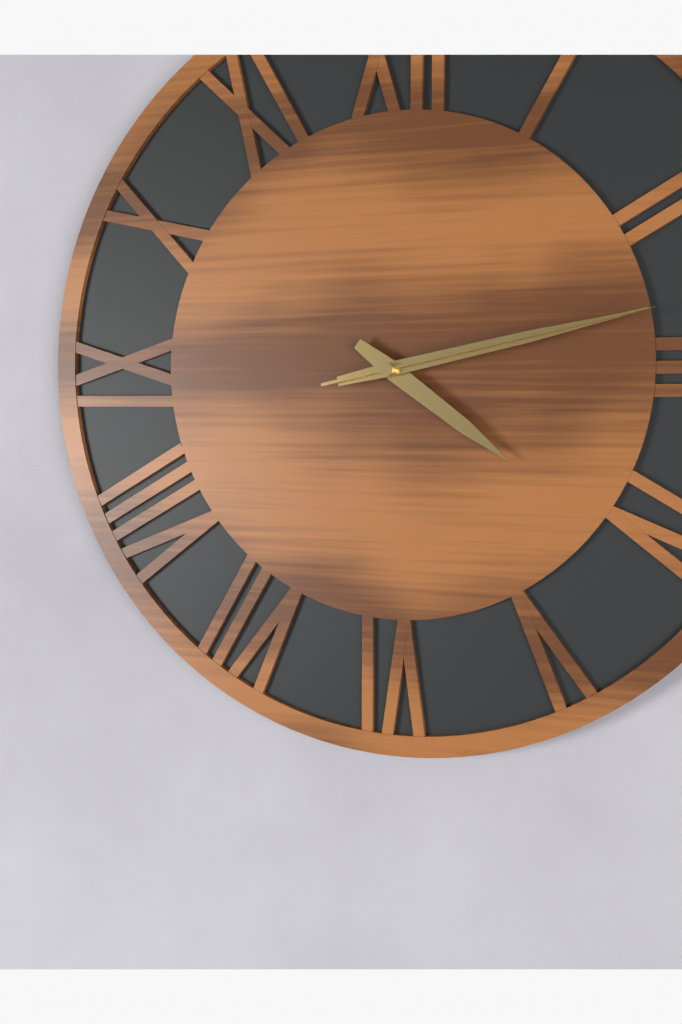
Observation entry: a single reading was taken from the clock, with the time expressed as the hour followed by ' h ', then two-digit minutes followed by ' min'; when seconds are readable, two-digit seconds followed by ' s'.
4 h 13 min 13 s
